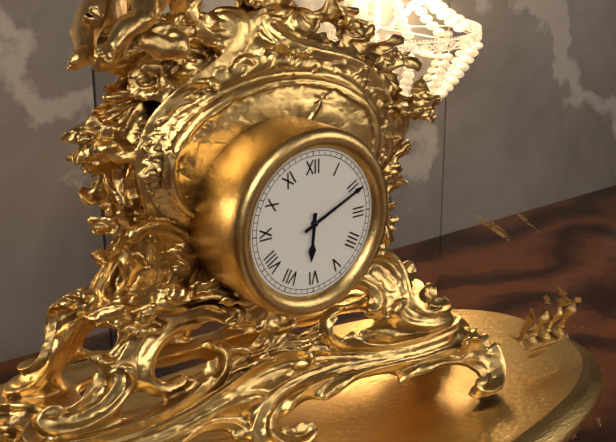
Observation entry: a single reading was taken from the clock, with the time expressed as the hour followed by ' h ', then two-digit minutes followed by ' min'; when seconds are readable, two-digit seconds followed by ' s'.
6 h 11 min
